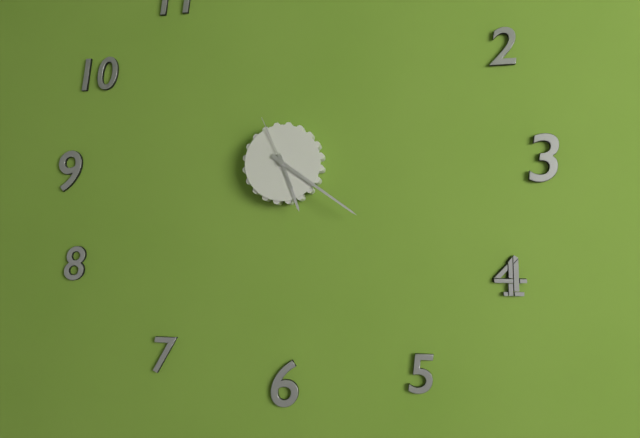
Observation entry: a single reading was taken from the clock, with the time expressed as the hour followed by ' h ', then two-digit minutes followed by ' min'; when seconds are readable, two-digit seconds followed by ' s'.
5 h 21 min 56 s
